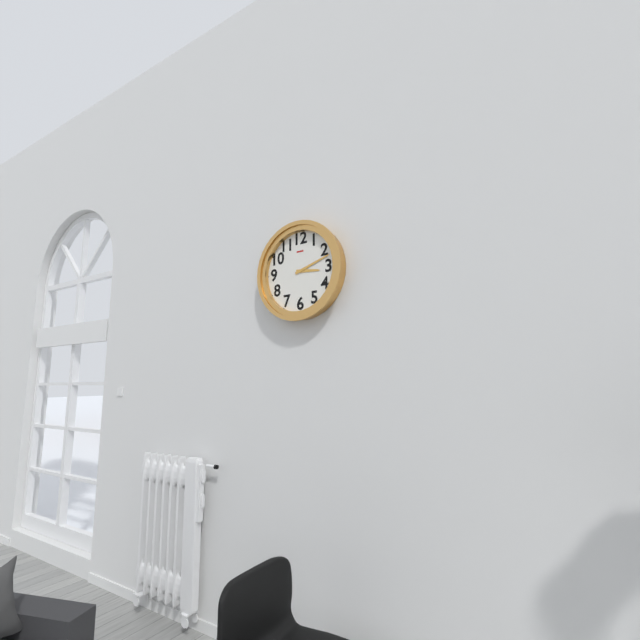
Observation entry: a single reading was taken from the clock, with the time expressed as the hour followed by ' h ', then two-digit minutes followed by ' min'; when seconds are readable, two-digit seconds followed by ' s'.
3 h 12 min
